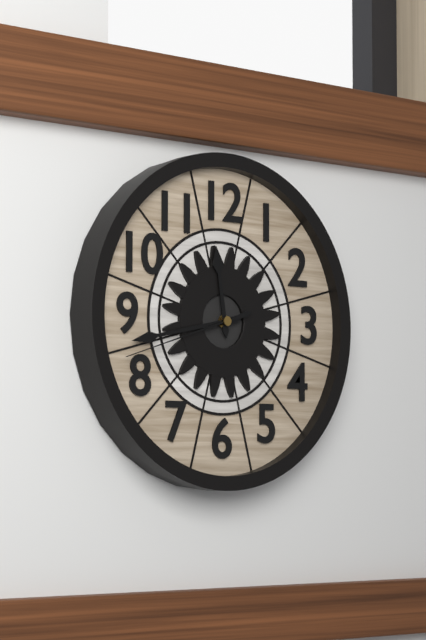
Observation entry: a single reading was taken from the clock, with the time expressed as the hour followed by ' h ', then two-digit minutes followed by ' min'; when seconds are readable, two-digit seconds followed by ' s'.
11 h 43 min 42 s
